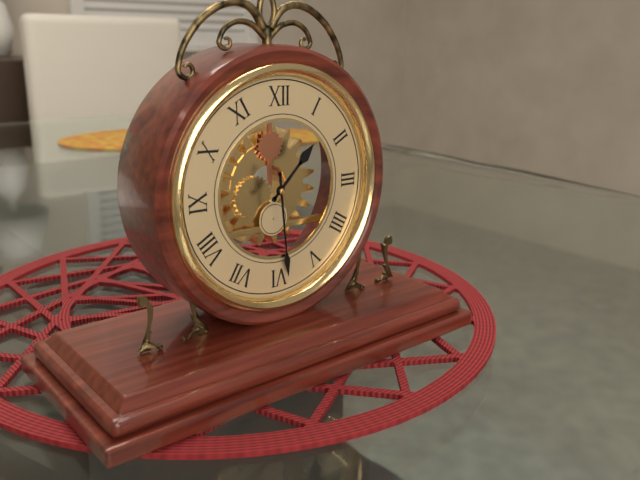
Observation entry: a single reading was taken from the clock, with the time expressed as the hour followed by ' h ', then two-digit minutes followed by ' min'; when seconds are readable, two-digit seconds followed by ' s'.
1 h 29 min
